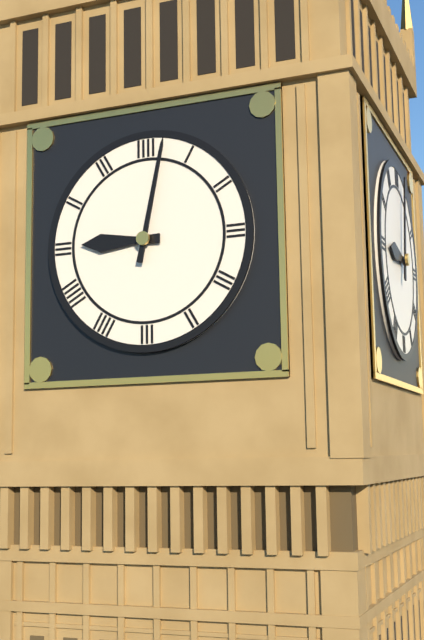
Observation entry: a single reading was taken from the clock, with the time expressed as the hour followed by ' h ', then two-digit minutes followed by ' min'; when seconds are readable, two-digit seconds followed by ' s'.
9 h 02 min
